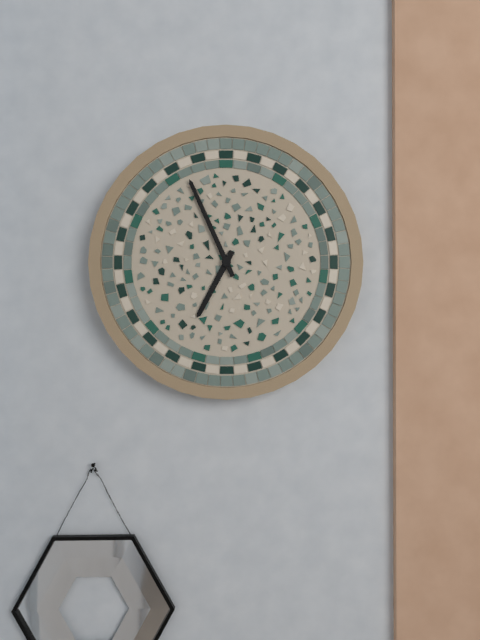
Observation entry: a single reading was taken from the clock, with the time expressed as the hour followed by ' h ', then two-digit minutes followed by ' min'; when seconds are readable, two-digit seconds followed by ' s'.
6 h 56 min
